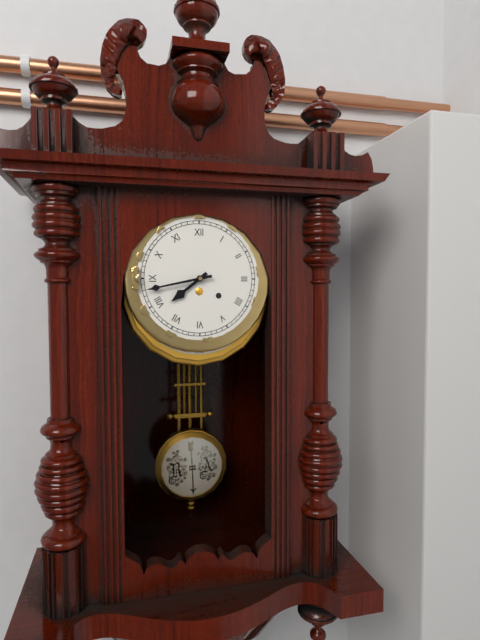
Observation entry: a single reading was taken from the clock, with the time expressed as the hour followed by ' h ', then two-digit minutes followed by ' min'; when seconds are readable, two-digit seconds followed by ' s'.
7 h 43 min
